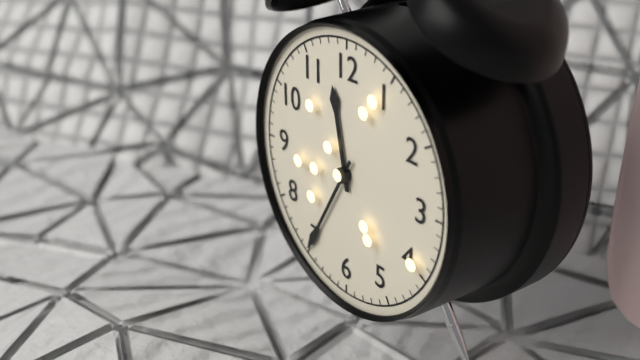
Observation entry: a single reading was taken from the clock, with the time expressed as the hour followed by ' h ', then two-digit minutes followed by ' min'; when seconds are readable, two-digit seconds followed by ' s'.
11 h 35 min
